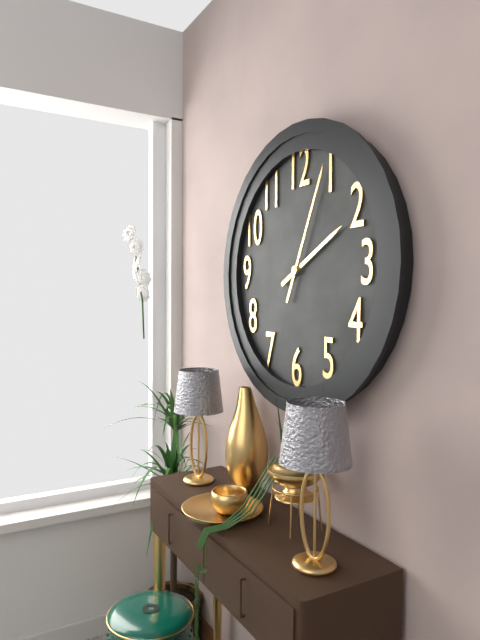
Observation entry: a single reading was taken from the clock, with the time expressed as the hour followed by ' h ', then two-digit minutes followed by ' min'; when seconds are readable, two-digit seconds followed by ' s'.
2 h 04 min
